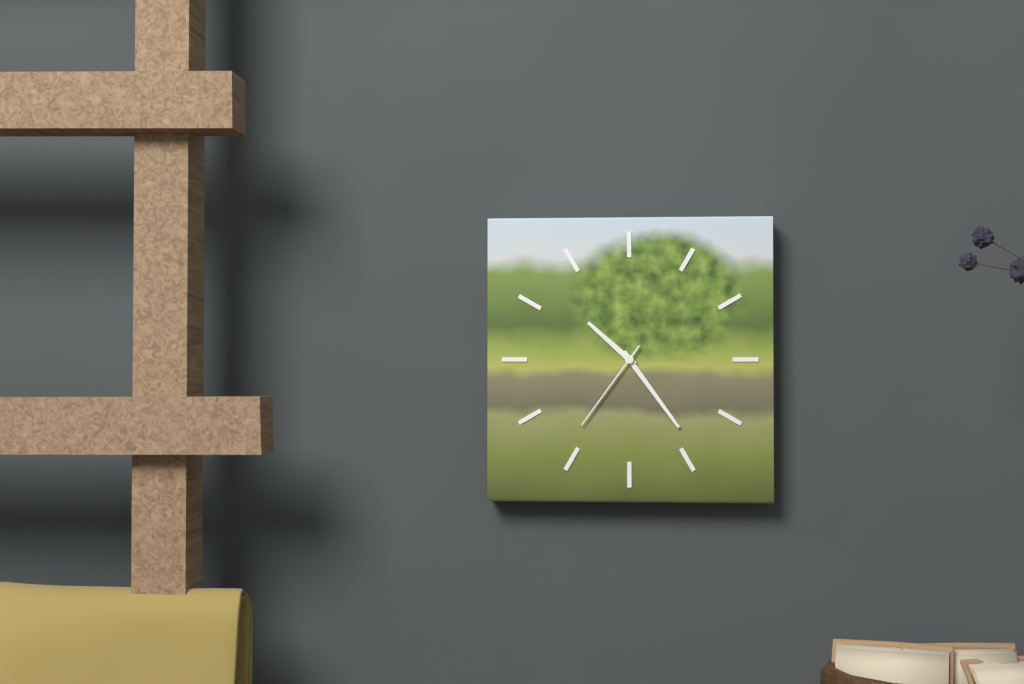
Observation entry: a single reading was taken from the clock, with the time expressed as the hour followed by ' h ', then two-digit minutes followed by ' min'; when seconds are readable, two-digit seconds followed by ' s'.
10 h 24 min 36 s
